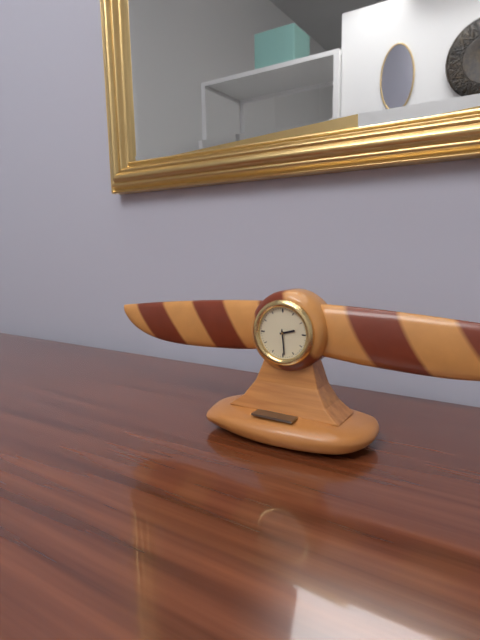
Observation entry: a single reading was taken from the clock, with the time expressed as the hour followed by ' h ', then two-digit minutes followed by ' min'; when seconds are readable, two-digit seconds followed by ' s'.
2 h 29 min
